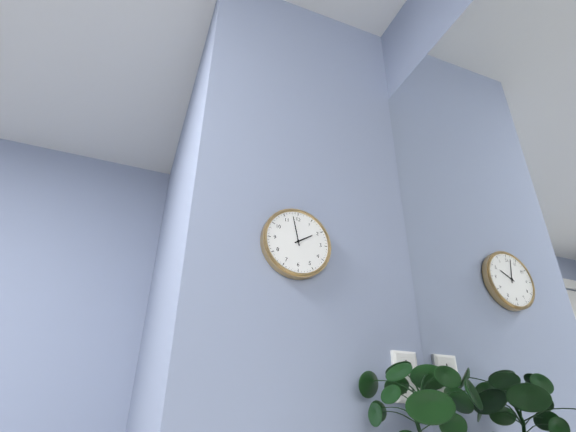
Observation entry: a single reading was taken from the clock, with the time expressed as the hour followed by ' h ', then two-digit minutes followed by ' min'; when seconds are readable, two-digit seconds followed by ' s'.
1 h 58 min
